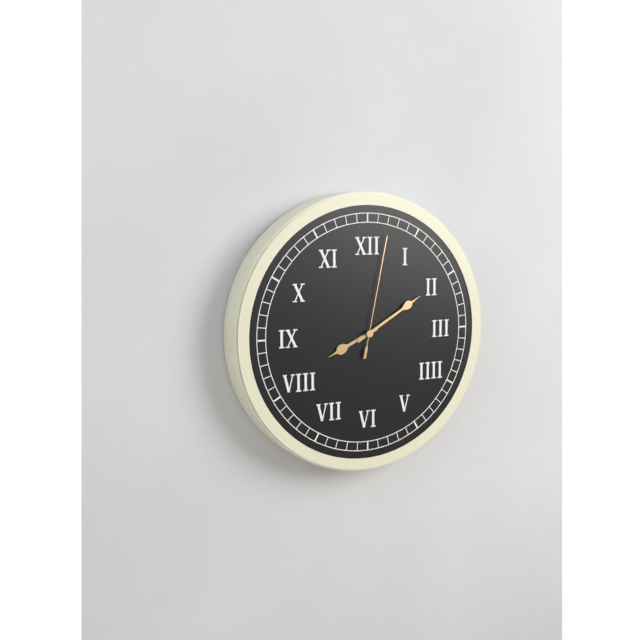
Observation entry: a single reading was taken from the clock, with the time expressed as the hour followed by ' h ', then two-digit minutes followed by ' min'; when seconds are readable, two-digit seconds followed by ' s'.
8 h 10 min 02 s
